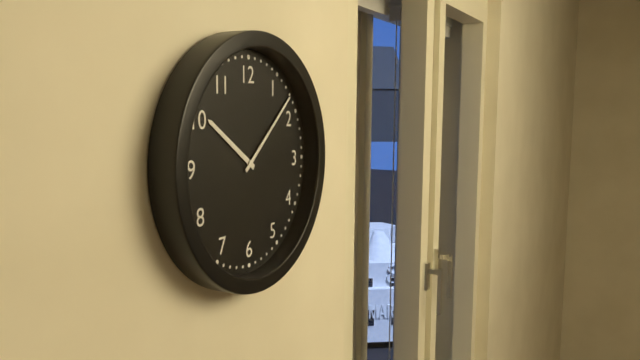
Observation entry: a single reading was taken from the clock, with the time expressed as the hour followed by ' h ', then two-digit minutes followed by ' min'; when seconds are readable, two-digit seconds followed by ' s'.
10 h 08 min
